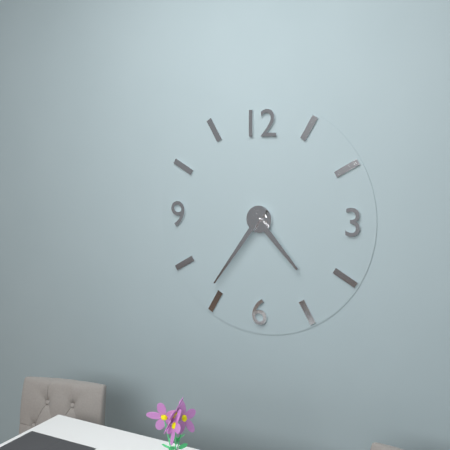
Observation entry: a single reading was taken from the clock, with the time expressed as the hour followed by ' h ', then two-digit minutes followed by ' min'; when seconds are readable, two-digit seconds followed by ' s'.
4 h 36 min
